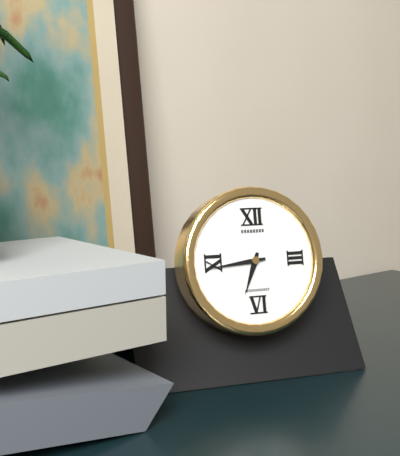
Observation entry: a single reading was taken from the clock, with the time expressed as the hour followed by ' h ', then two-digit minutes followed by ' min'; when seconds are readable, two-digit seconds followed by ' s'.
6 h 44 min
